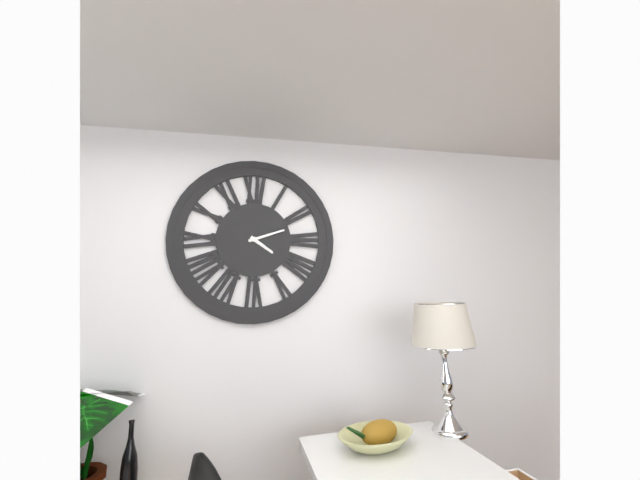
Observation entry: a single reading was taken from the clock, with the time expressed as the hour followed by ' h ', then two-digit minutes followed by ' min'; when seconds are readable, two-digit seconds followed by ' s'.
4 h 12 min
